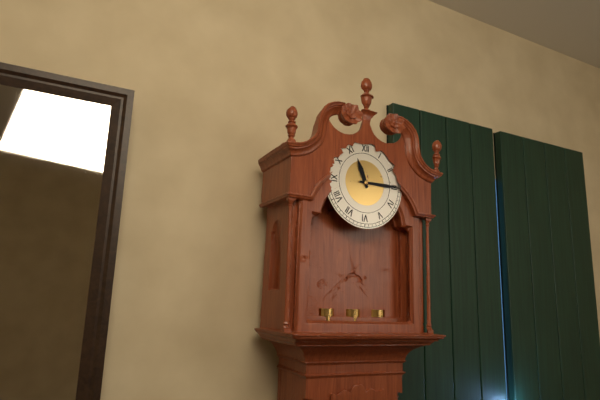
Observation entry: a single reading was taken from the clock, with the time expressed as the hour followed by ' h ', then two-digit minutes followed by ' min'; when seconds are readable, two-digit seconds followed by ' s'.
11 h 15 min
